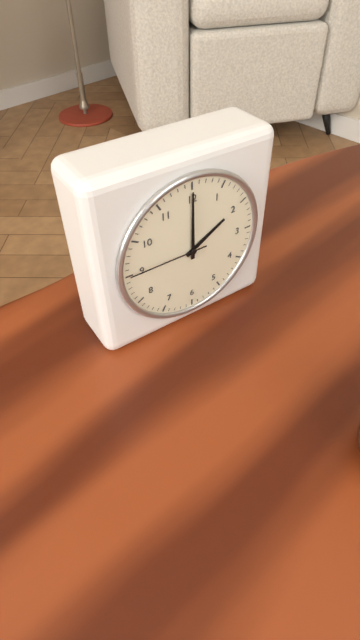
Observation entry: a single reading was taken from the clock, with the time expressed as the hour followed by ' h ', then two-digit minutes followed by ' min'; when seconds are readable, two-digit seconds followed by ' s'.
2 h 00 min 45 s
